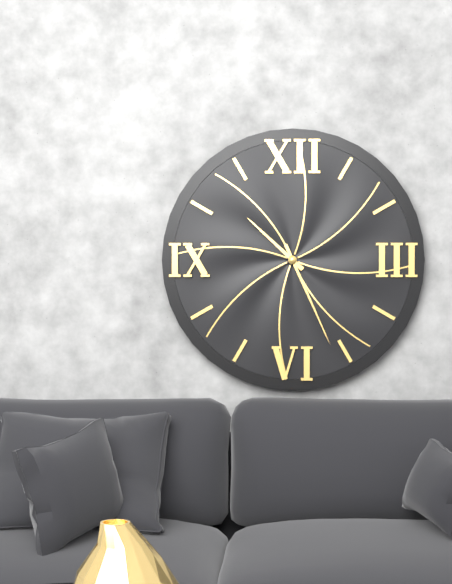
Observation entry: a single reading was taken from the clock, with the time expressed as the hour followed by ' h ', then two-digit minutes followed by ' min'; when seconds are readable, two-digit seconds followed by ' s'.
10 h 26 min
